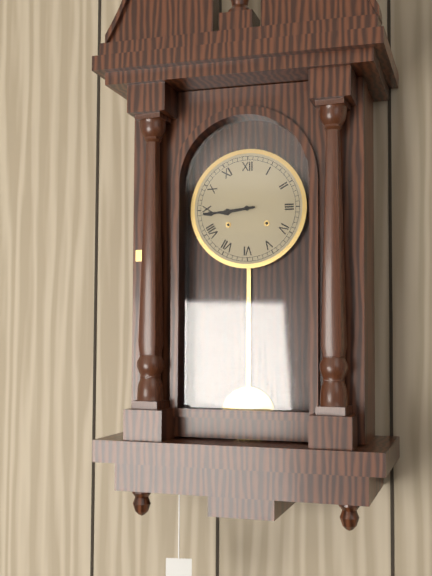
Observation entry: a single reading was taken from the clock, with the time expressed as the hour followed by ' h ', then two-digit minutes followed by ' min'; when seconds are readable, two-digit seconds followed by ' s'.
8 h 44 min
